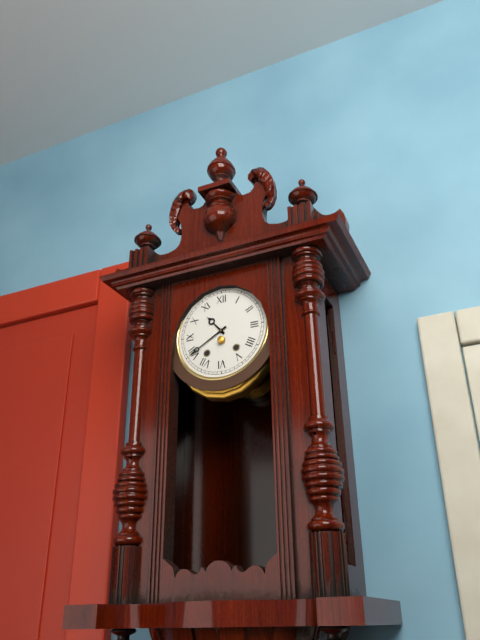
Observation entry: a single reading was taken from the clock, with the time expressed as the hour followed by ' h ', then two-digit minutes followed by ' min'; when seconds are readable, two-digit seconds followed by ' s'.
10 h 40 min
